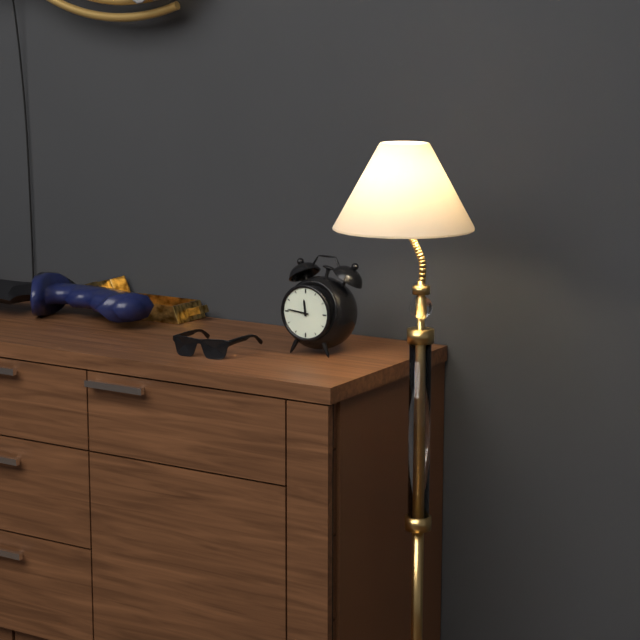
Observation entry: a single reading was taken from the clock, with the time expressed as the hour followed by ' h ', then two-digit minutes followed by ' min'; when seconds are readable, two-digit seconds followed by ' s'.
11 h 46 min
